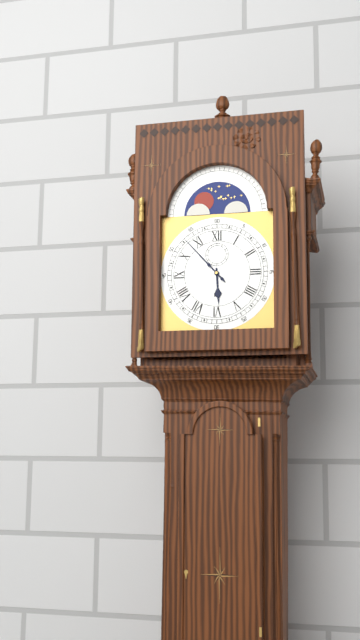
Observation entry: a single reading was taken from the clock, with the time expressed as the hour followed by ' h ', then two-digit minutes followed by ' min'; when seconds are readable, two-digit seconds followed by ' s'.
5 h 53 min
